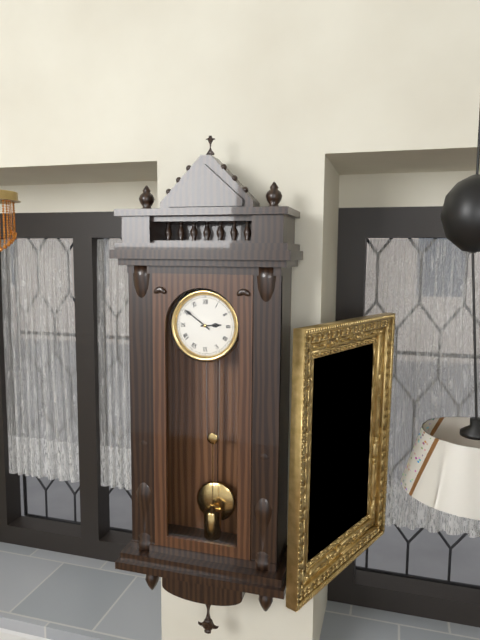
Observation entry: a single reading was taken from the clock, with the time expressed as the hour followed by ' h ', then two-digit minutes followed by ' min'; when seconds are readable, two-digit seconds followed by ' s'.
2 h 51 min
